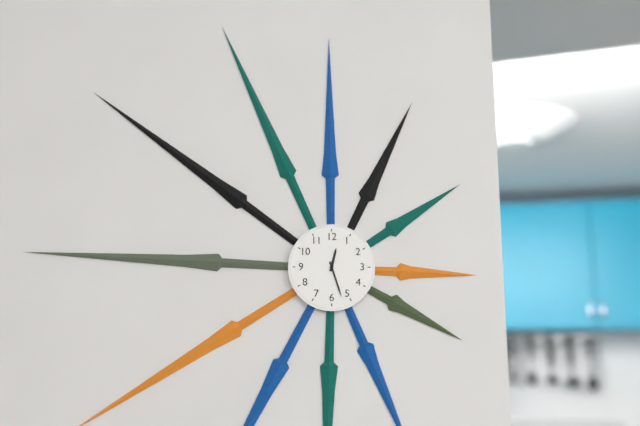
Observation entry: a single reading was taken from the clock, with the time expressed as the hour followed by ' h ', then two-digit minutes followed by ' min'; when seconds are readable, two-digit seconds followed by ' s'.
12 h 27 min
